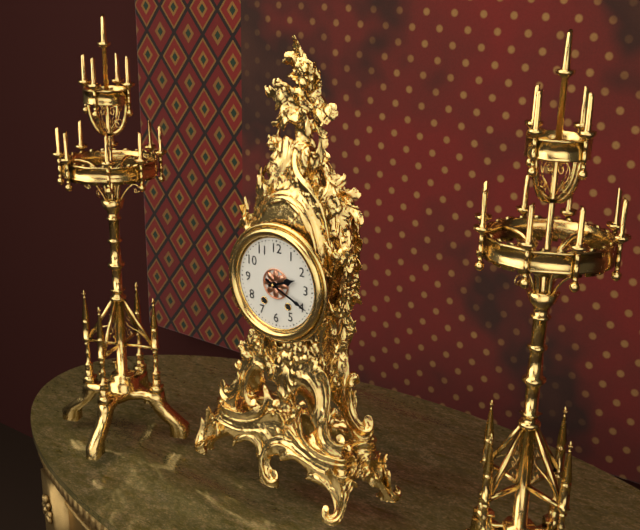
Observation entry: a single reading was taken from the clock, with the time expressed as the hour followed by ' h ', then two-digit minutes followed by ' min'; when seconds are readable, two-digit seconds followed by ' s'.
2 h 19 min
